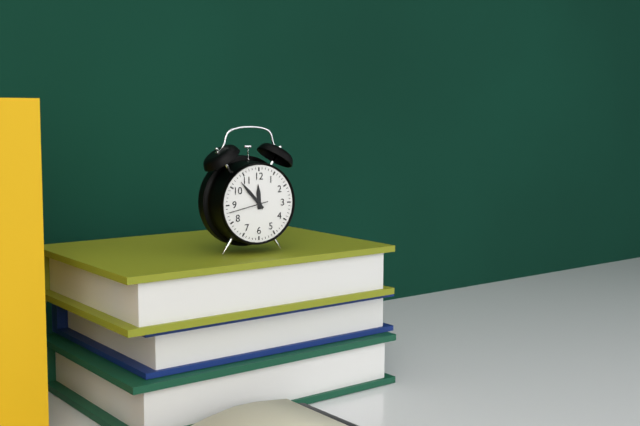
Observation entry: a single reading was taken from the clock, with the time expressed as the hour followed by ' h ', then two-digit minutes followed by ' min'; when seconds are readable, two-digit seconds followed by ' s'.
11 h 53 min
